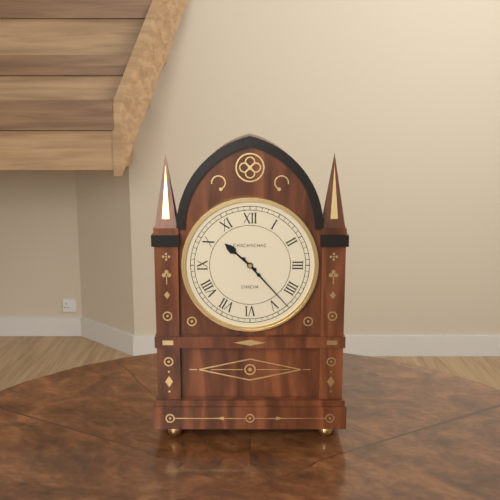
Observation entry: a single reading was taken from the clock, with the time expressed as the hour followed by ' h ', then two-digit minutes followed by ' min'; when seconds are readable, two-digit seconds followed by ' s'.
10 h 23 min
